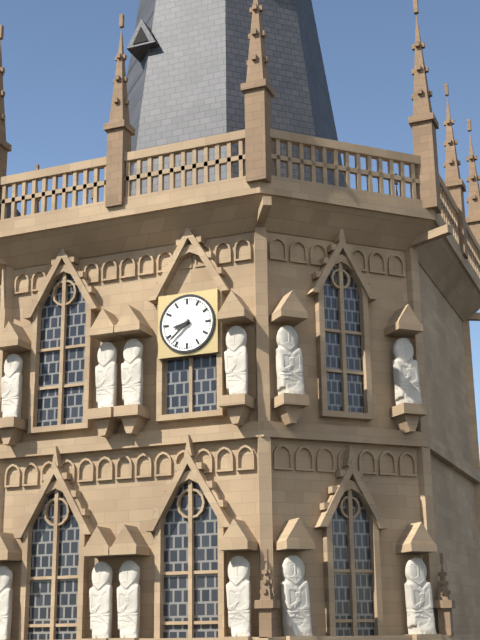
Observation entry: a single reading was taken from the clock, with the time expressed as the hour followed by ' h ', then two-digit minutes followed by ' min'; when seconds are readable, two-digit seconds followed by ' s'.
8 h 38 min
